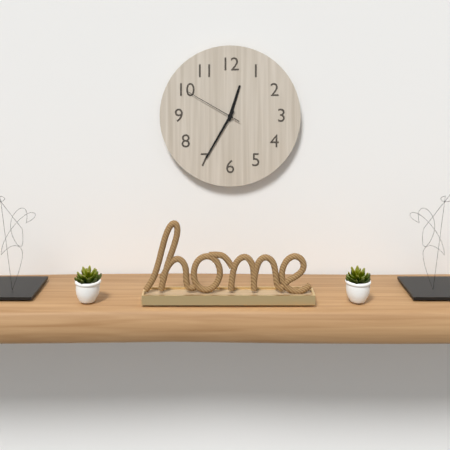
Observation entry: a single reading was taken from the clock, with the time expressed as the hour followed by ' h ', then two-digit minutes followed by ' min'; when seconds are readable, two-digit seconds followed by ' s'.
12 h 35 min 50 s
